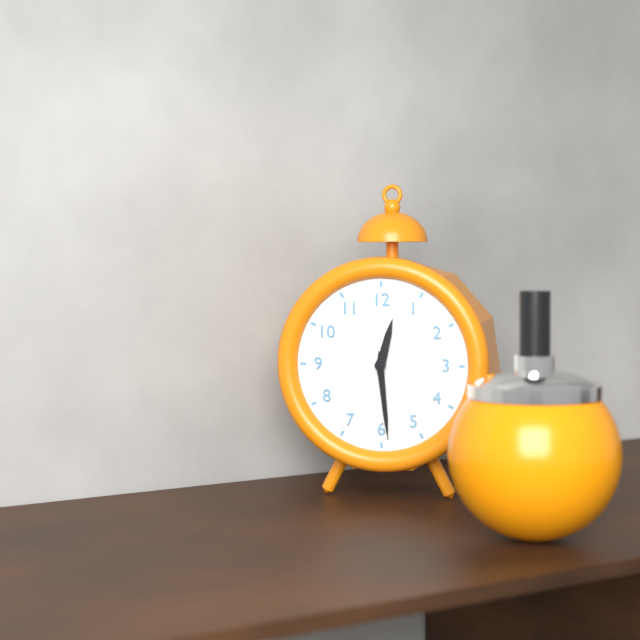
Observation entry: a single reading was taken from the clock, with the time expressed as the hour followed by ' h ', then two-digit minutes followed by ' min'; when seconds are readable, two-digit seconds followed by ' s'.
12 h 29 min
